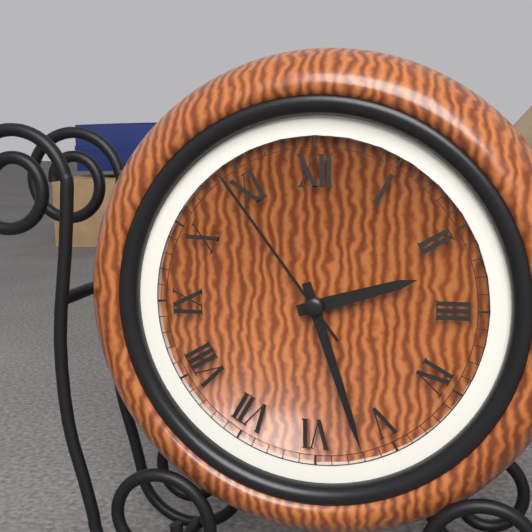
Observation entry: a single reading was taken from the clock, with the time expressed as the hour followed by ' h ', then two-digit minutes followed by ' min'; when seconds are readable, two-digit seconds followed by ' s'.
2 h 27 min 54 s
